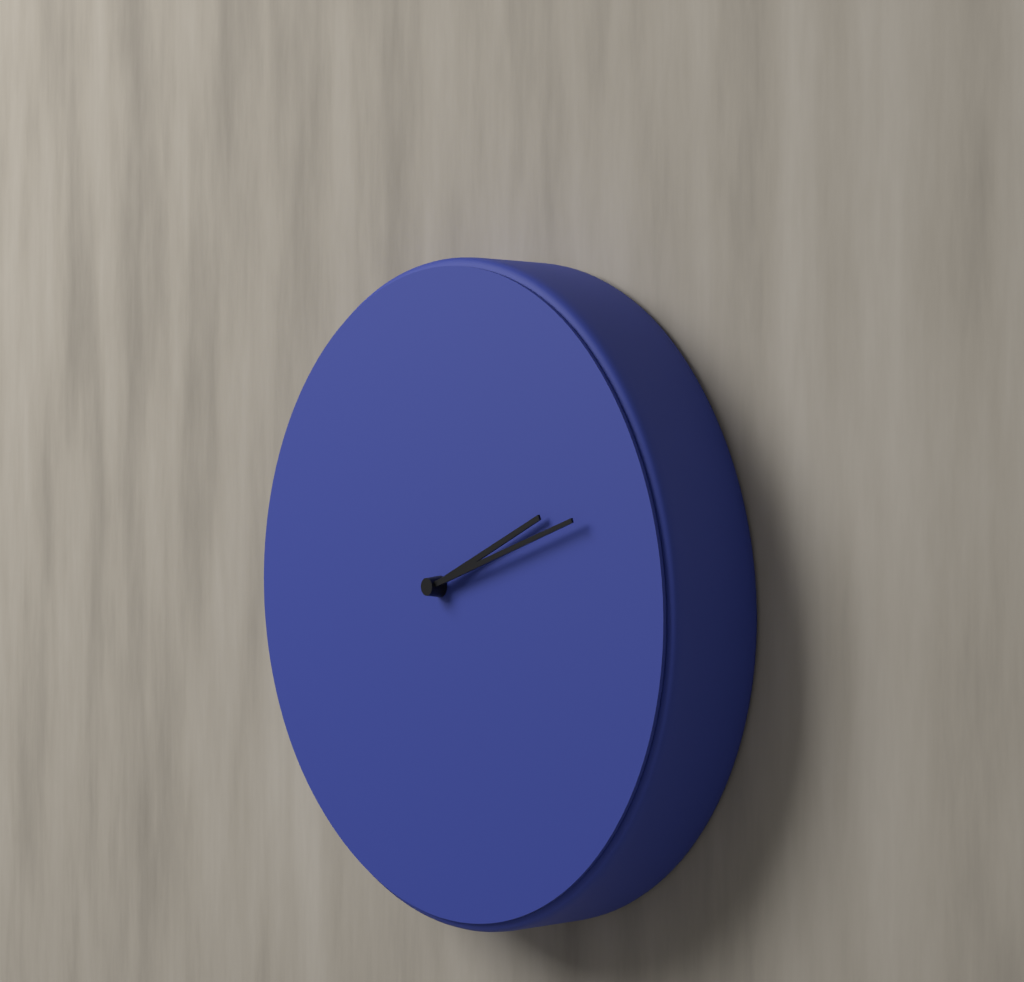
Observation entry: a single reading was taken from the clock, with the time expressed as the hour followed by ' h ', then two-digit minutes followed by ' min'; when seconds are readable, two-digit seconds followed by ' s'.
2 h 12 min
